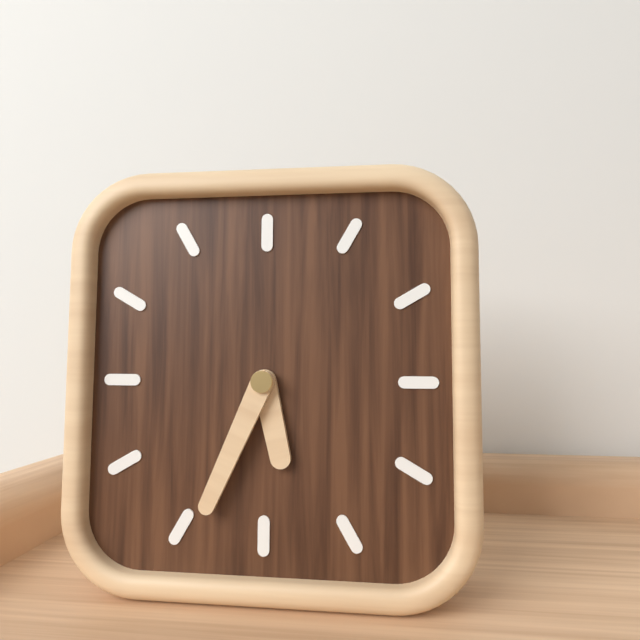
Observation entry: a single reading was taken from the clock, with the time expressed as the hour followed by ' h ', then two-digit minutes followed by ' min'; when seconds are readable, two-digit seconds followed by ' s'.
5 h 34 min
